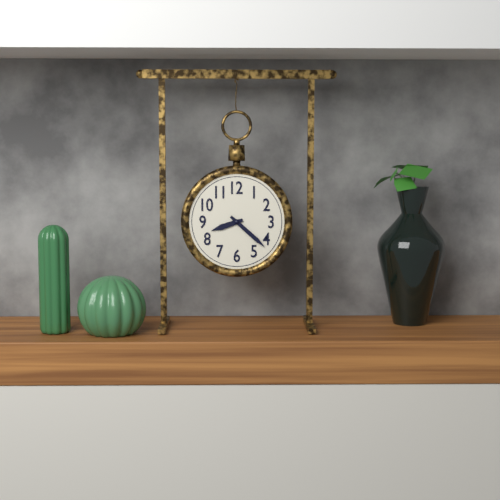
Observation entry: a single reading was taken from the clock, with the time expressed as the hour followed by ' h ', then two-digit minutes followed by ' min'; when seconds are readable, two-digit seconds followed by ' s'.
8 h 22 min
